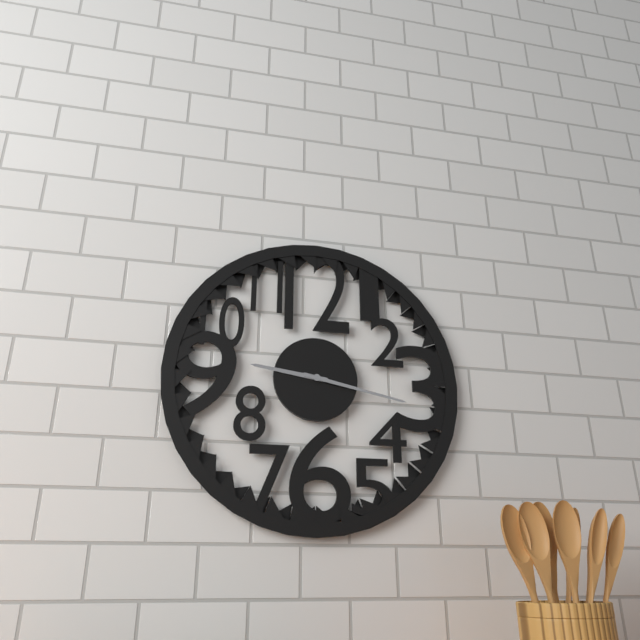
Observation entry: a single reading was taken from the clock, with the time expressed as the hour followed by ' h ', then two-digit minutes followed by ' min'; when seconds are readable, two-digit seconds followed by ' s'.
9 h 17 min
